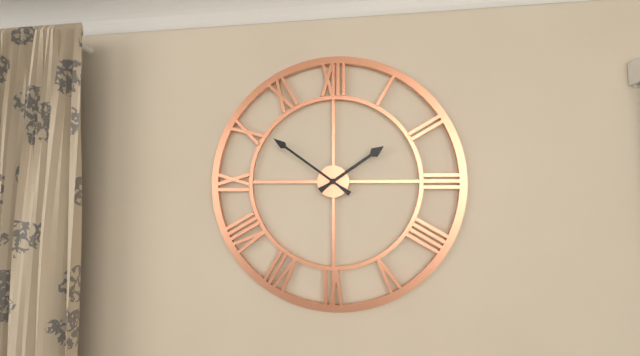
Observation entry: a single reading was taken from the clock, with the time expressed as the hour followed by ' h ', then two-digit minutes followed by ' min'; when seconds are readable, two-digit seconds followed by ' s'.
1 h 51 min
